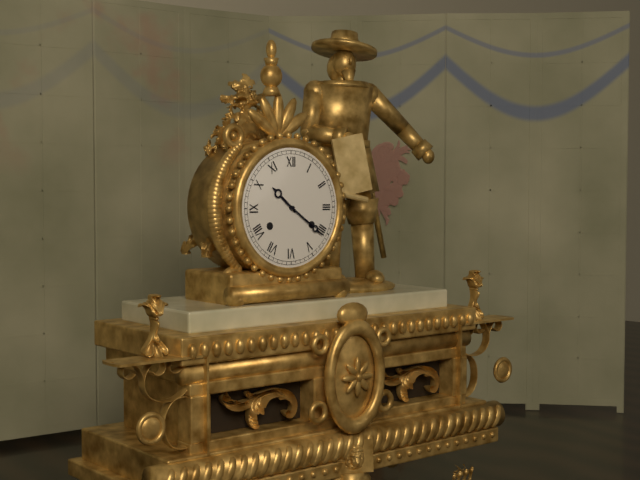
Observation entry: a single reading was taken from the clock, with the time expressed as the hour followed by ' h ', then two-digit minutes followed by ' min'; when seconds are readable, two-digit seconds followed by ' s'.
10 h 21 min
